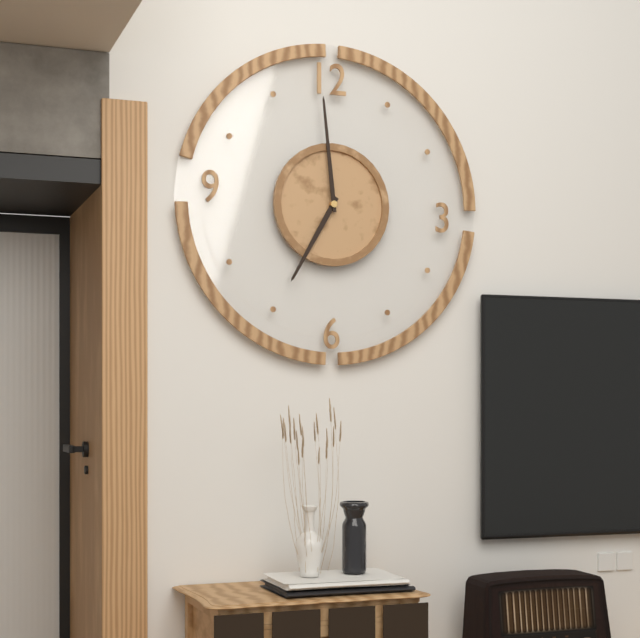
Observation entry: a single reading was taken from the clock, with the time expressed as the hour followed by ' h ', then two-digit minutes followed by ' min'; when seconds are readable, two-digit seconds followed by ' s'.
6 h 59 min
